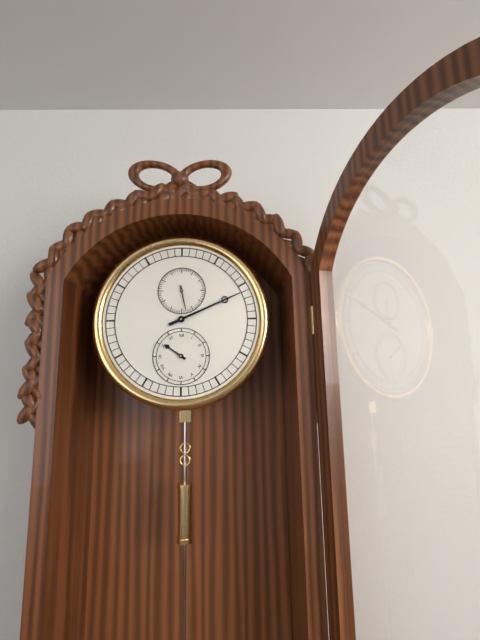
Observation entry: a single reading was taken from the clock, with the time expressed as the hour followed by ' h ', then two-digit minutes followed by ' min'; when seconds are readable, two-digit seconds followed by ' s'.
10 h 11 min
